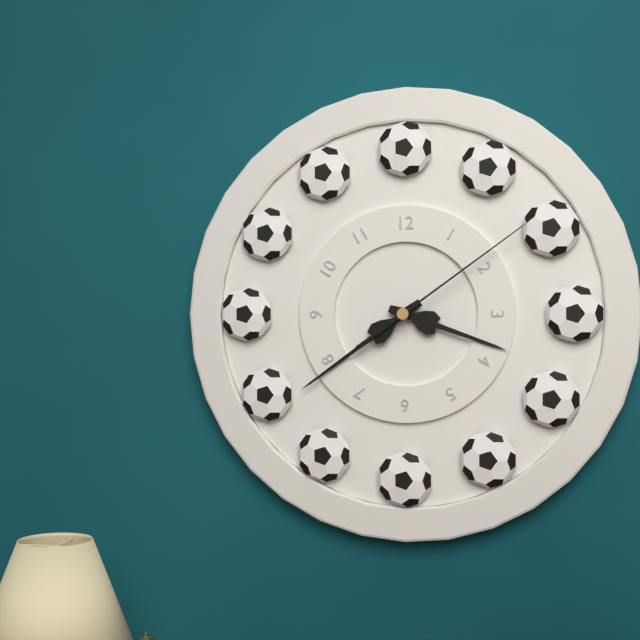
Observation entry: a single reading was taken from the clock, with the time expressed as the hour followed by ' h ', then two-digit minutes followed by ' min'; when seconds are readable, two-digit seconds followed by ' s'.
3 h 39 min 09 s
